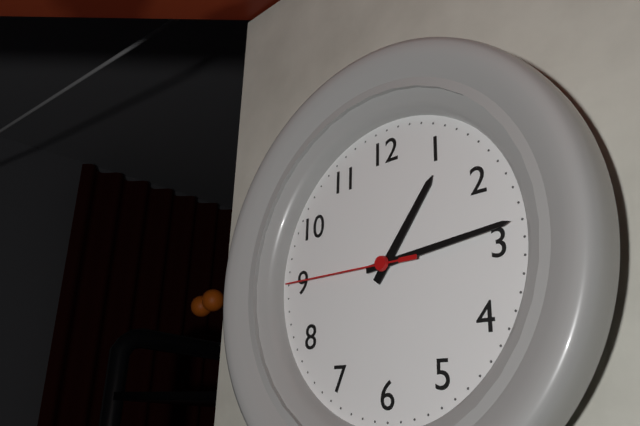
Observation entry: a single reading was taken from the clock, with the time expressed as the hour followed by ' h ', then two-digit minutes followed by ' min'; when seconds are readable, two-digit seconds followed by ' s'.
1 h 14 min 45 s
